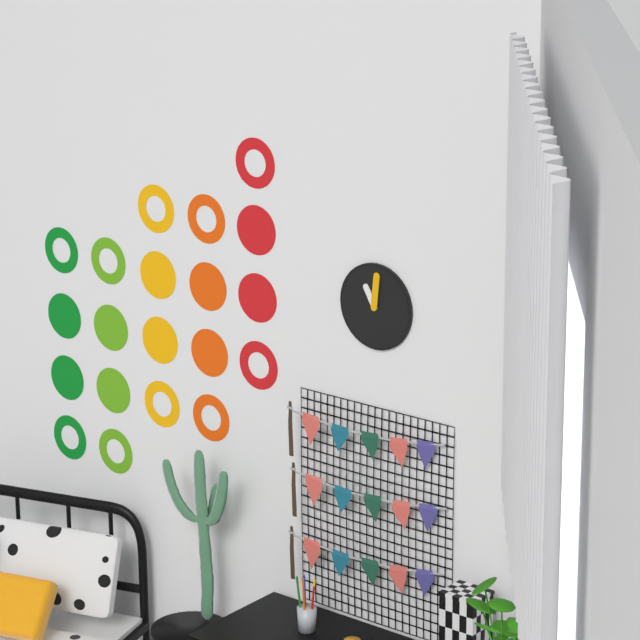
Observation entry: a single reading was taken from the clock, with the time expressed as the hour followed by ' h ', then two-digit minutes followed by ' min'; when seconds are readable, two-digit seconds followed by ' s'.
11 h 01 min
